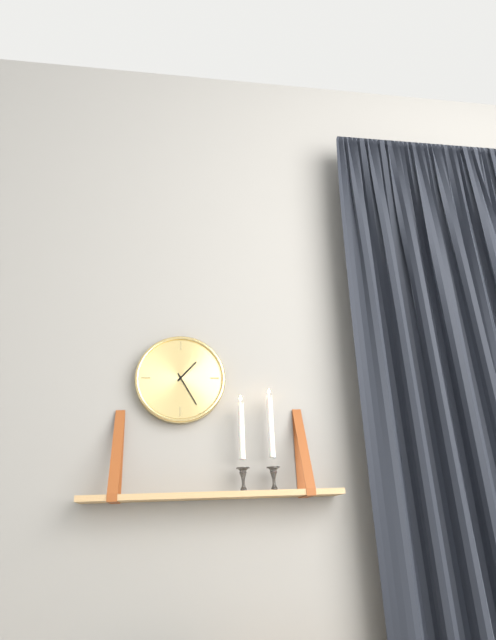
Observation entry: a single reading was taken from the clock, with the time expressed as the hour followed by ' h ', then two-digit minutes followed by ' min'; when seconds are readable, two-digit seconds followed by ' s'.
1 h 25 min
